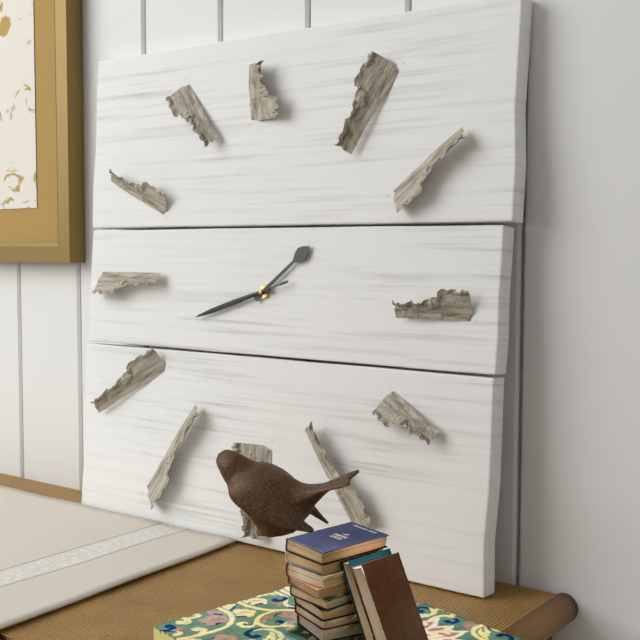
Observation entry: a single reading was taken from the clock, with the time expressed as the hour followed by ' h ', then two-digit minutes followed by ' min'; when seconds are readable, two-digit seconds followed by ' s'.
1 h 42 min 42 s
